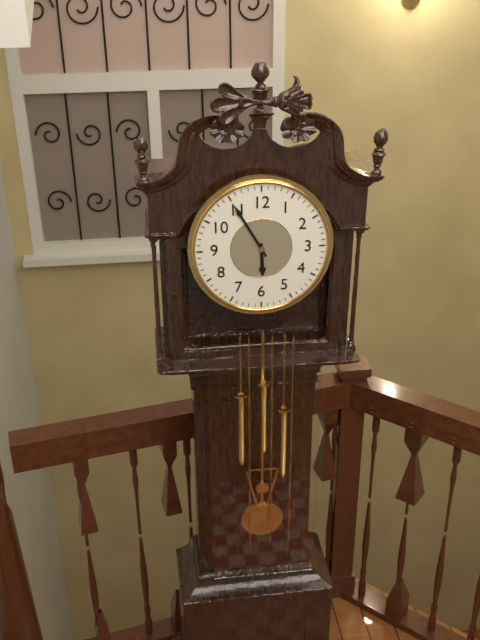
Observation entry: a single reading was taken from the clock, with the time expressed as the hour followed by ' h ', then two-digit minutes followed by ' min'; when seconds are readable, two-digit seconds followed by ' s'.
5 h 55 min
